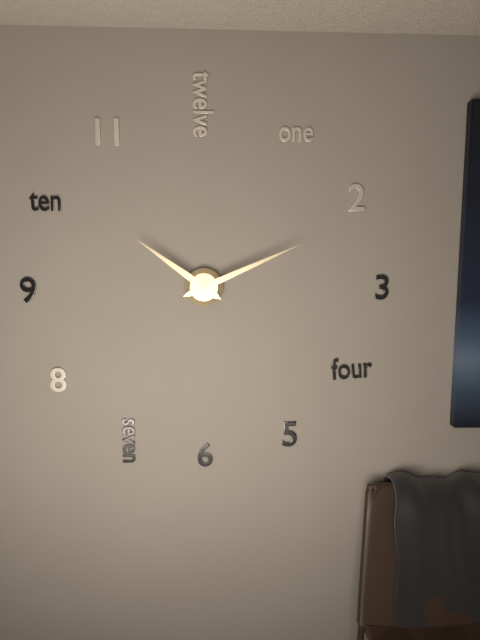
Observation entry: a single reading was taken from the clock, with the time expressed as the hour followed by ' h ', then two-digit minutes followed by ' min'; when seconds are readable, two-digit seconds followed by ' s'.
10 h 11 min
